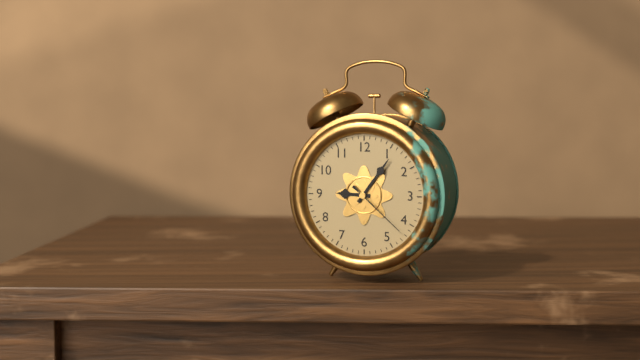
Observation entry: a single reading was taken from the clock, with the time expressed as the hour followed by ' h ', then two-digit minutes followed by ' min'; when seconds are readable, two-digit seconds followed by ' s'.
9 h 06 min 22 s
